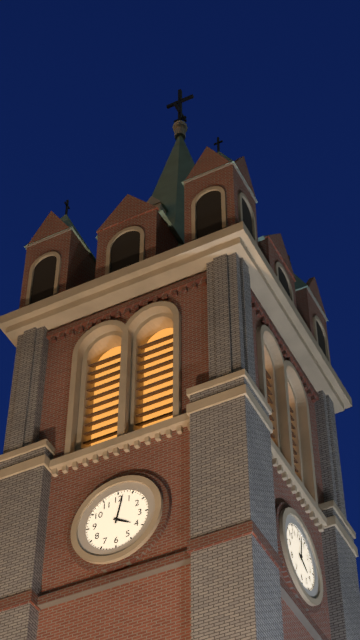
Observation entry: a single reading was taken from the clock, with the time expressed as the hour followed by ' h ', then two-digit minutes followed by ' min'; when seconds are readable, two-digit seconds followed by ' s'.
4 h 02 min
